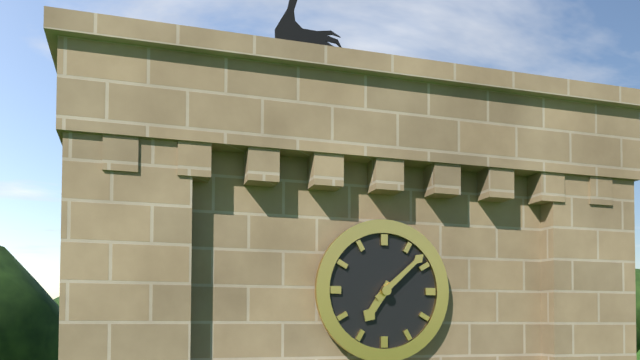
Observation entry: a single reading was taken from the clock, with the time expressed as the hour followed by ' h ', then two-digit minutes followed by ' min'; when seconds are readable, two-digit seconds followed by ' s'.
7 h 08 min
